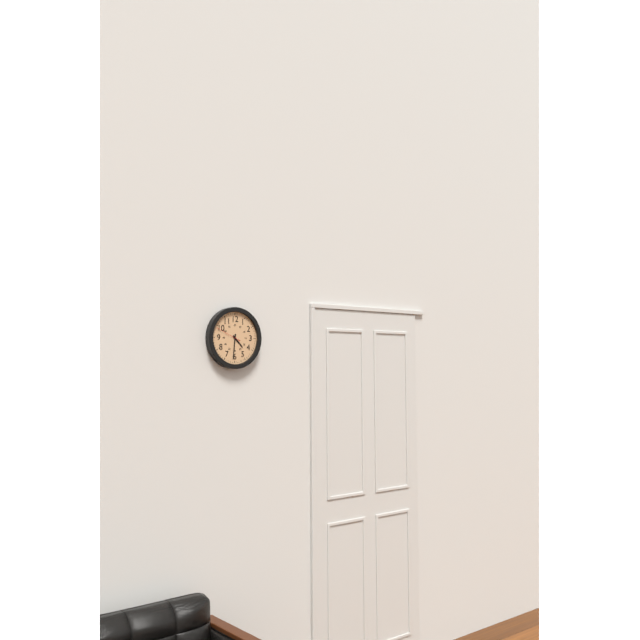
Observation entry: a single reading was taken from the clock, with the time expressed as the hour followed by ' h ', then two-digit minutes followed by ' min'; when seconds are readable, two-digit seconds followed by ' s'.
4 h 31 min
